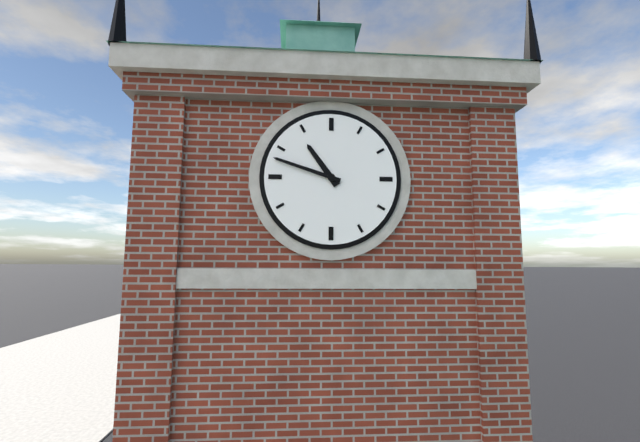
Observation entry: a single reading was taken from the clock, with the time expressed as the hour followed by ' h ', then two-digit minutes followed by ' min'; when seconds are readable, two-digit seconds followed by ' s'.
10 h 48 min
